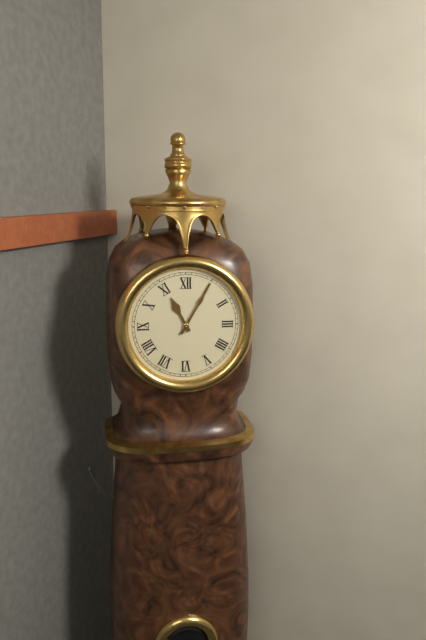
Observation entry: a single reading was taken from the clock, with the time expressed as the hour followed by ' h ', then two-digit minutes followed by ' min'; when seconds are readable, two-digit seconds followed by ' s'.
11 h 05 min
